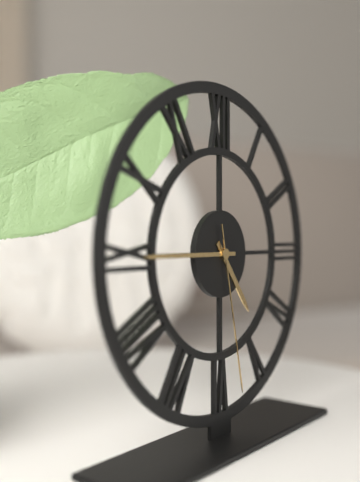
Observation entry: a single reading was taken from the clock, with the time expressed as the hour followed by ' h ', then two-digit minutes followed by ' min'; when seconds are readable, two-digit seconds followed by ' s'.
4 h 45 min 28 s
